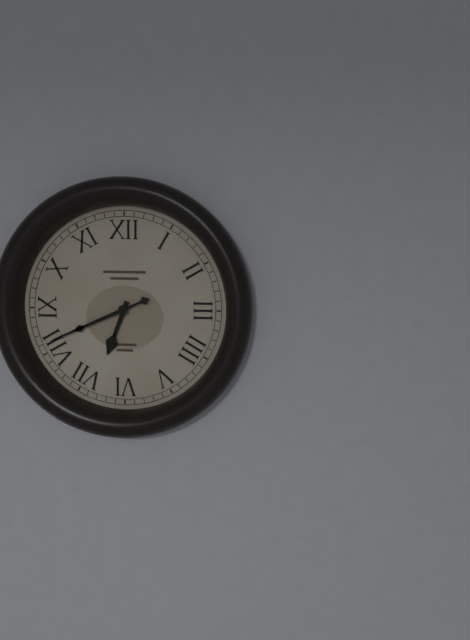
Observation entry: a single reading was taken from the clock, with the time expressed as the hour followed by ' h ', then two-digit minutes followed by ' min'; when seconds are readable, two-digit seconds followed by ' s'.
6 h 41 min
